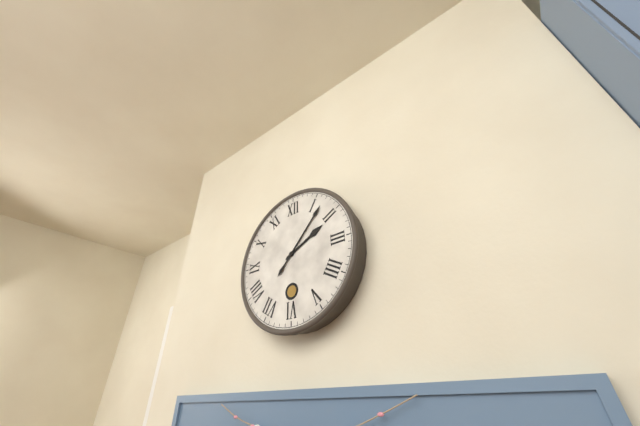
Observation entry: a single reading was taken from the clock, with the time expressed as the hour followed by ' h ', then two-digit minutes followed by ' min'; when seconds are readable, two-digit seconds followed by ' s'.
2 h 07 min
